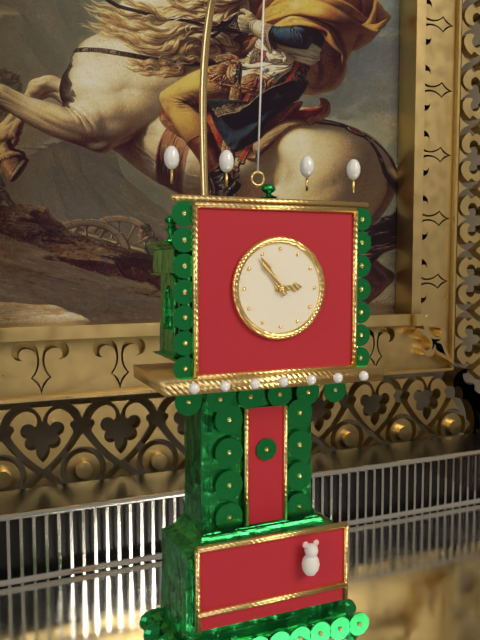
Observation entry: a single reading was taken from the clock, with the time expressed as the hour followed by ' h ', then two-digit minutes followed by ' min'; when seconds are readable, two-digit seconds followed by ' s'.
2 h 54 min
